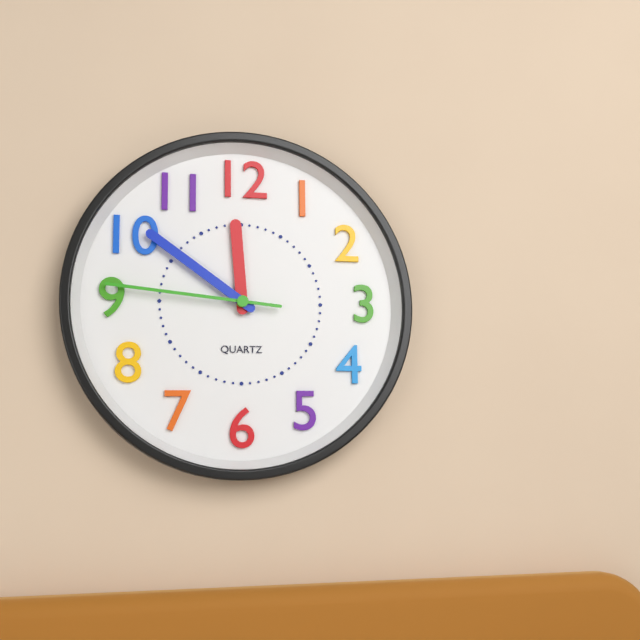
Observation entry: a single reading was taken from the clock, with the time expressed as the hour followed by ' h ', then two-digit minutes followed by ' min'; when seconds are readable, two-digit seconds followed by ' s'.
11 h 51 min 46 s
